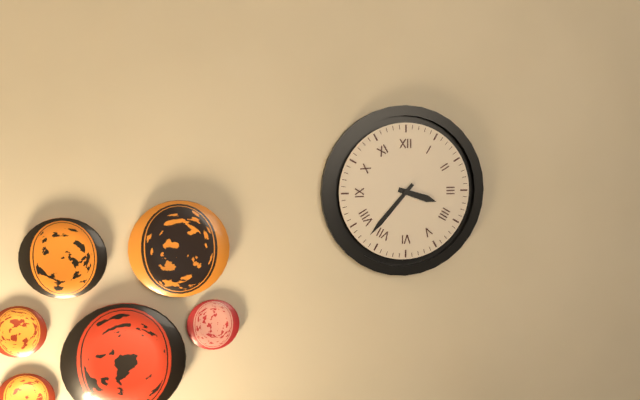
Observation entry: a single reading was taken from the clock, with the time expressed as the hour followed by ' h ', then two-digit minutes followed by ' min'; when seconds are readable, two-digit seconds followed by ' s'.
3 h 37 min
